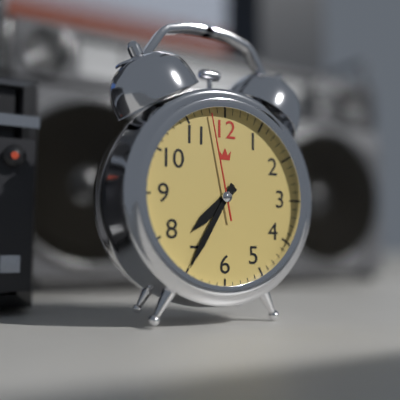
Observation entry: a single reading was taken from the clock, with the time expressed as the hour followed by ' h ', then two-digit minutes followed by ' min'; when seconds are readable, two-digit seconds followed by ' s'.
7 h 35 min 58 s
